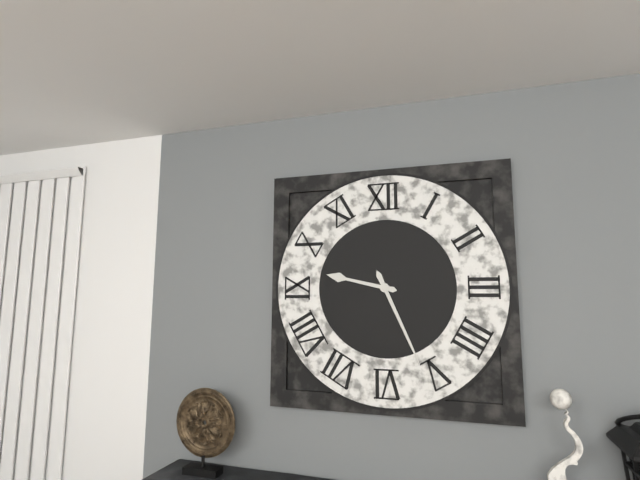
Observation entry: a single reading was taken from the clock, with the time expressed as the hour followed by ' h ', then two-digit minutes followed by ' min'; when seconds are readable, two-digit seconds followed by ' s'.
9 h 26 min
